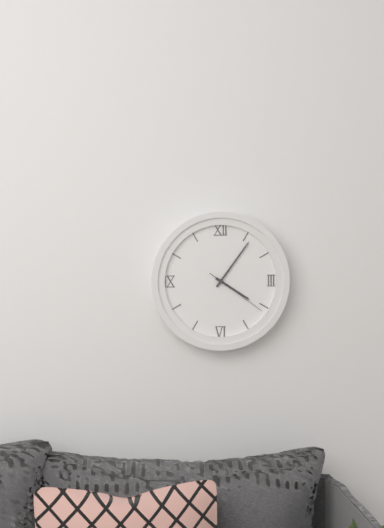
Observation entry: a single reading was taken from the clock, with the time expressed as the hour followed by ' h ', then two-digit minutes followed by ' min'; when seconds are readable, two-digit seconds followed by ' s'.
4 h 06 min 21 s
